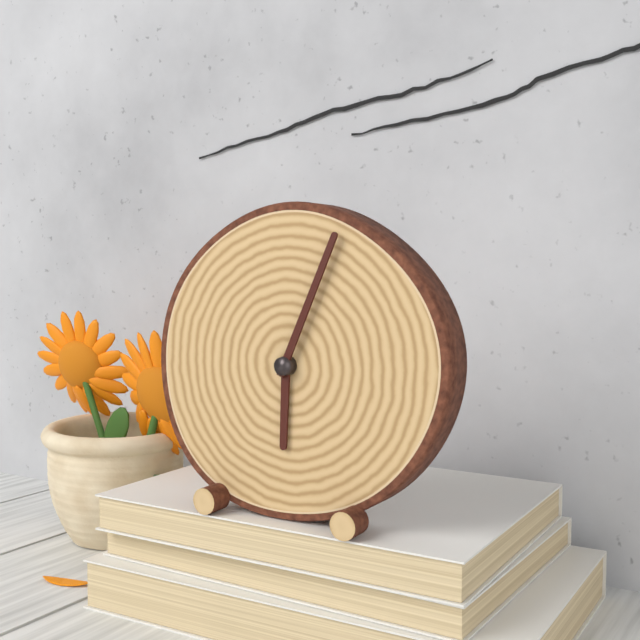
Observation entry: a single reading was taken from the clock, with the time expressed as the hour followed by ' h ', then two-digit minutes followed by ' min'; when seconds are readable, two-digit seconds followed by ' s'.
6 h 04 min
